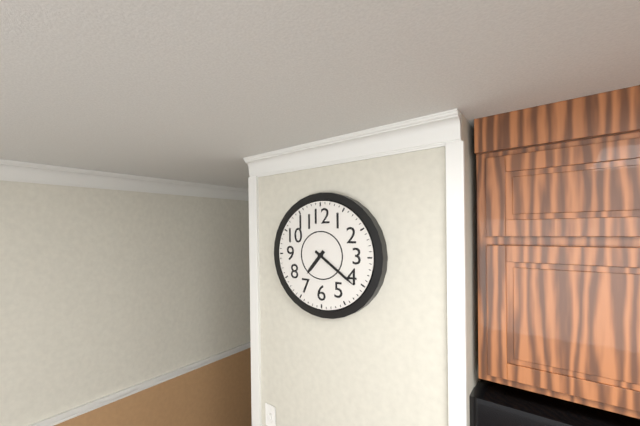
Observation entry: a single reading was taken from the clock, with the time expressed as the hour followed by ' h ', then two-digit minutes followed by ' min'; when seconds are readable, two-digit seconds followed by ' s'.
7 h 21 min
